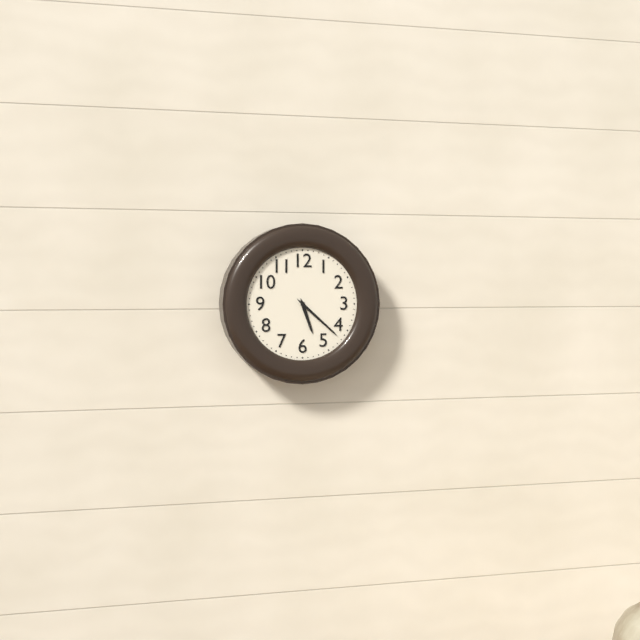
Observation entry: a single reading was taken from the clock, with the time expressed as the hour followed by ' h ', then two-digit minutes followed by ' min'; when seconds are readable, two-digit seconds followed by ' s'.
5 h 22 min
